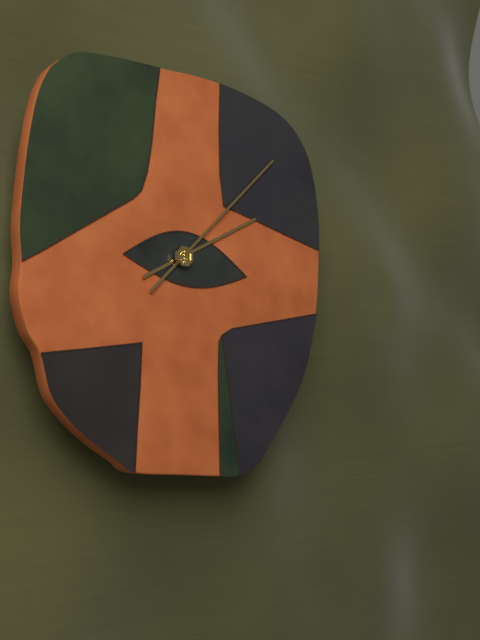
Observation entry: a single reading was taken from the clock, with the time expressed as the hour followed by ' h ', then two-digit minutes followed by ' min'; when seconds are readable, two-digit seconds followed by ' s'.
2 h 08 min
